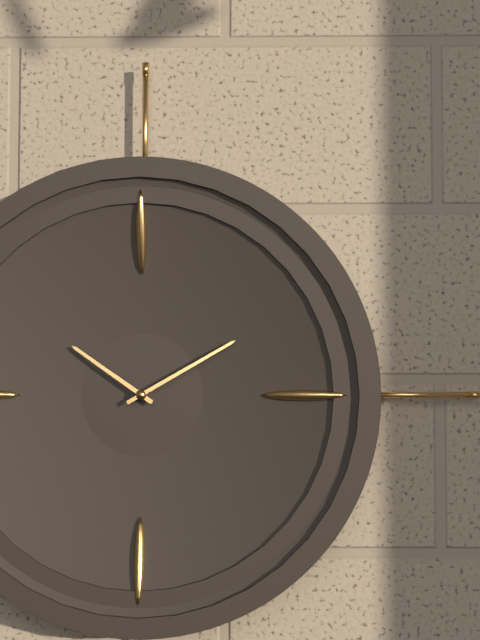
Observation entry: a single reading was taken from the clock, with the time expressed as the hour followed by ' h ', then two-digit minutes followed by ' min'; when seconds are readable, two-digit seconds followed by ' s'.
10 h 10 min
